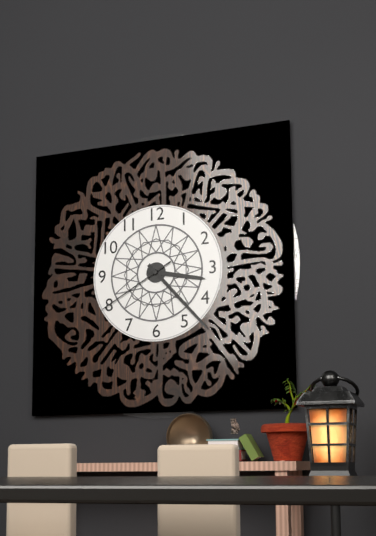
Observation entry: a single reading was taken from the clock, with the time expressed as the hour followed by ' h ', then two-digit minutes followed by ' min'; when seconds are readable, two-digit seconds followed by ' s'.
3 h 23 min 40 s
